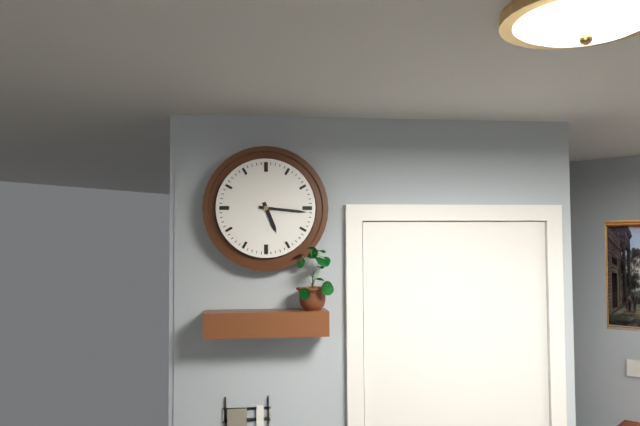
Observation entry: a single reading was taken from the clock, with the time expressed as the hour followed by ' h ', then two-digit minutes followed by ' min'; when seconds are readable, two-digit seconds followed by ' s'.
5 h 16 min
